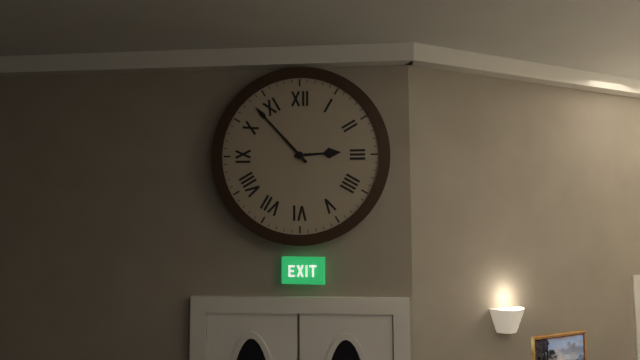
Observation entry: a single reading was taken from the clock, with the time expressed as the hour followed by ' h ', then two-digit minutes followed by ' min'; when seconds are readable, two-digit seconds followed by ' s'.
2 h 53 min
